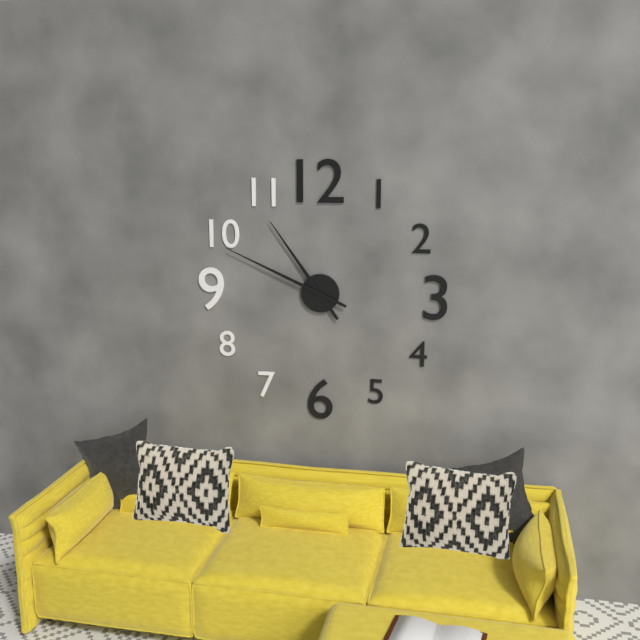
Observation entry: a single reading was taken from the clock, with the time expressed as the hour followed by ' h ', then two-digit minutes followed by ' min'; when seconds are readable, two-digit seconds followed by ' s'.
10 h 49 min
